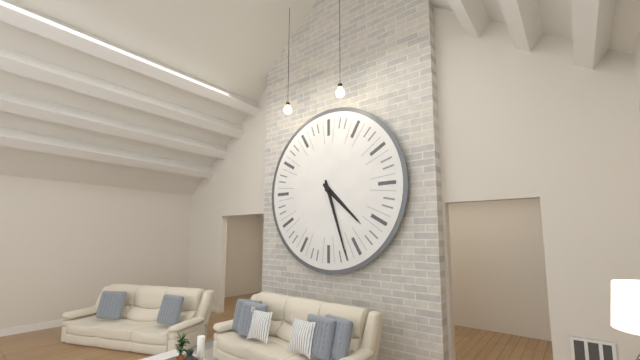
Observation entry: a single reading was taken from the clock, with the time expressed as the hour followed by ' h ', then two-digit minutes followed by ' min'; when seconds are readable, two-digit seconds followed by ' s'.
4 h 27 min
